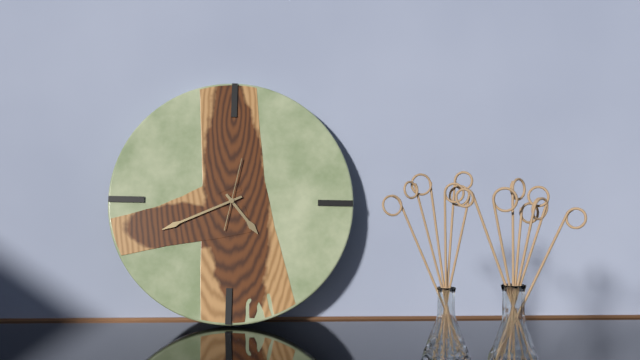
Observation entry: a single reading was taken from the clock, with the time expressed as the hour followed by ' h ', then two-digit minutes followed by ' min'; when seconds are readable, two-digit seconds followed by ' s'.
4 h 41 min 02 s
